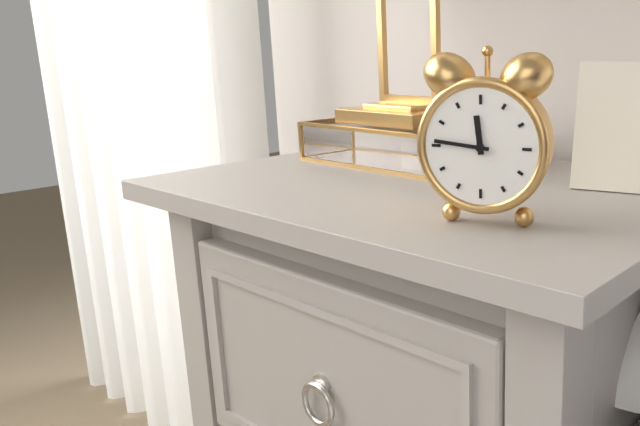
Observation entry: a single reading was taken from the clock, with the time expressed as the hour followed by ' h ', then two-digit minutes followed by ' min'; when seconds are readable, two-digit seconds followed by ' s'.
11 h 46 min
